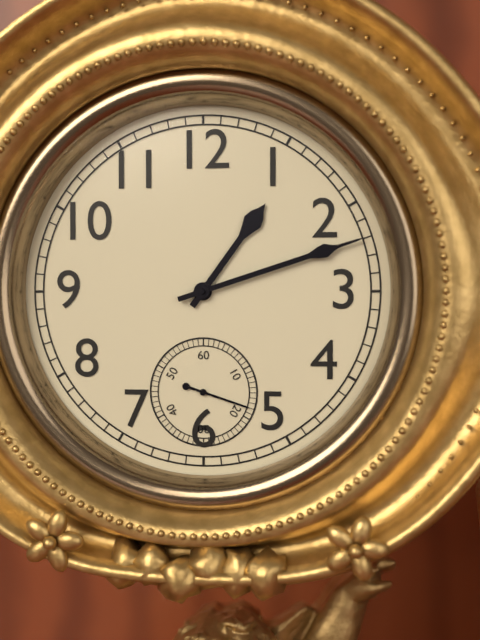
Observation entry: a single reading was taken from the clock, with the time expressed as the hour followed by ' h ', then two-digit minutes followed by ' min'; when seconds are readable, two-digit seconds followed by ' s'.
1 h 12 min 18 s
